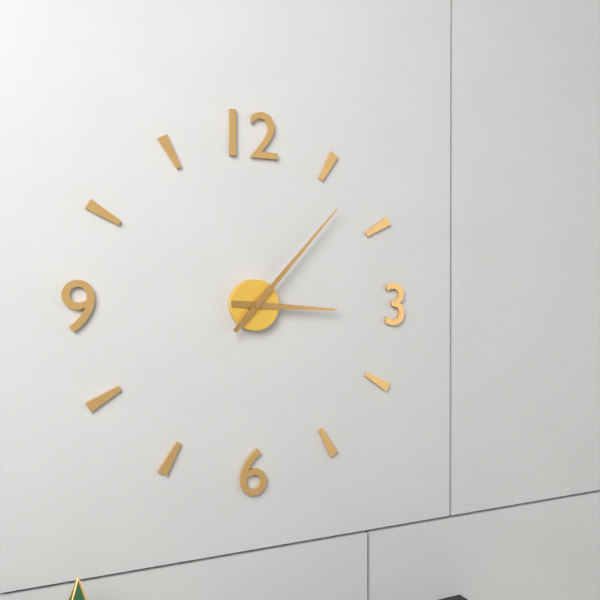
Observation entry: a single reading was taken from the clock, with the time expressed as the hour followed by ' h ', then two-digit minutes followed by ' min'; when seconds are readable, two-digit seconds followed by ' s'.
3 h 07 min
